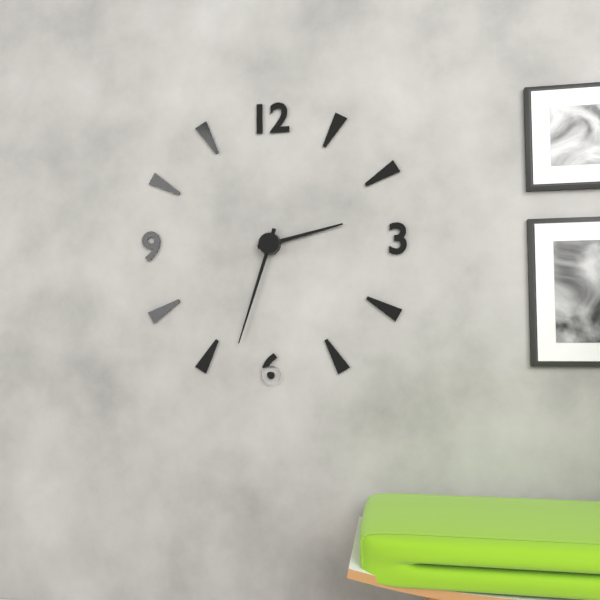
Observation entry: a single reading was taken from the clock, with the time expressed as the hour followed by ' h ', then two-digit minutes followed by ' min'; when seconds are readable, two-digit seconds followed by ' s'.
2 h 33 min
